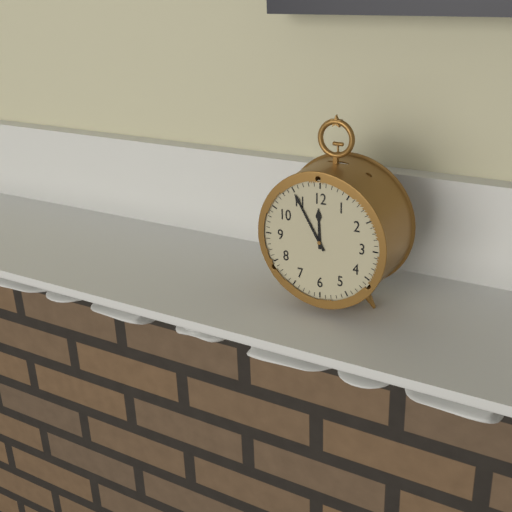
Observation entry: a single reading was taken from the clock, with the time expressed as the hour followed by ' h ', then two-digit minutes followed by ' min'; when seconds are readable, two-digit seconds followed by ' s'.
11 h 55 min
